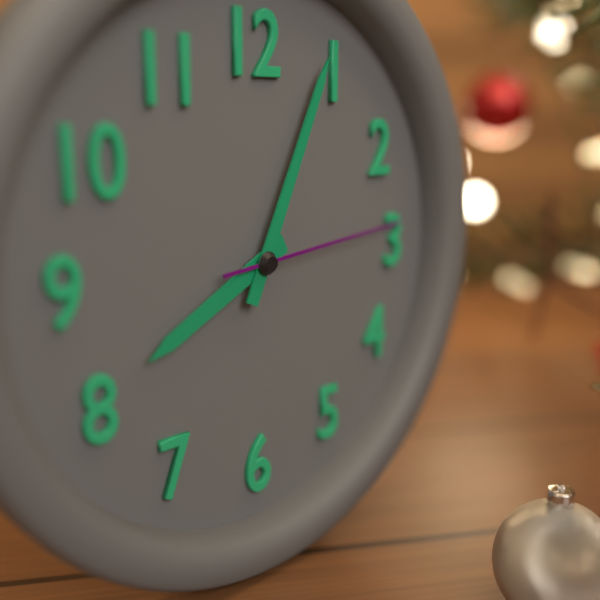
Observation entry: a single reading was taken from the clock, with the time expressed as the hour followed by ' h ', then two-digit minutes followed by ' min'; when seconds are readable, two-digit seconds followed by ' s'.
8 h 04 min 14 s
